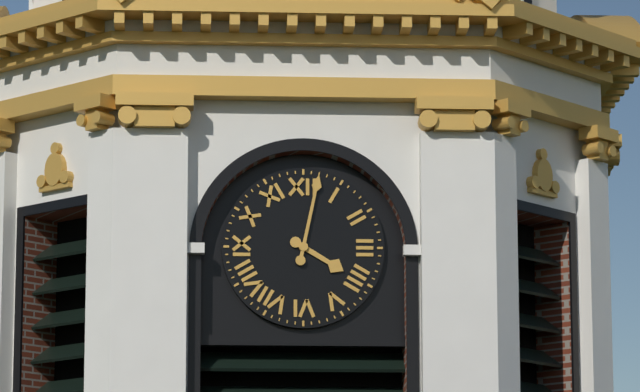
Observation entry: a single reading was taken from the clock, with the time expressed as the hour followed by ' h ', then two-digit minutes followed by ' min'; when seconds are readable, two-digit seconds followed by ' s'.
4 h 02 min
